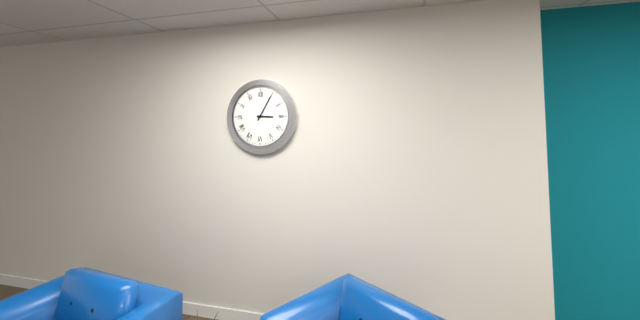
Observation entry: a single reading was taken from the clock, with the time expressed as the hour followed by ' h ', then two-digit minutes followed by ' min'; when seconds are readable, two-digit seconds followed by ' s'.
3 h 05 min
